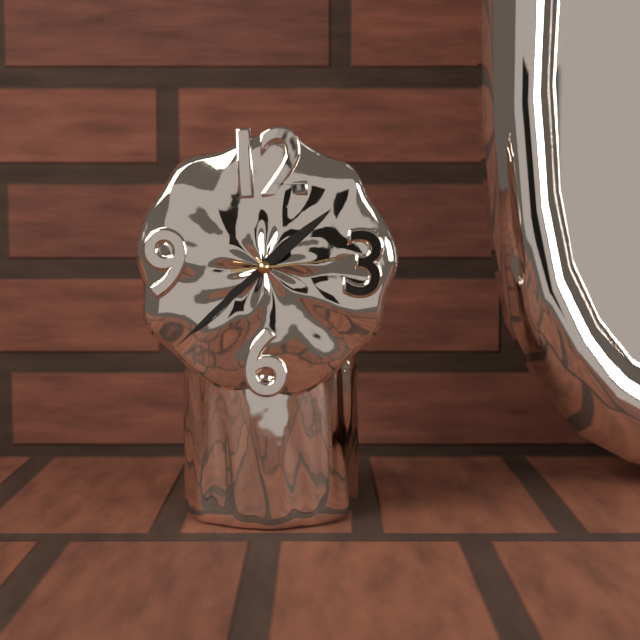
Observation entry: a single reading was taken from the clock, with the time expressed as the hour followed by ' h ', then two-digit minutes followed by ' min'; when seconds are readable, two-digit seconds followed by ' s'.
1 h 38 min 14 s
